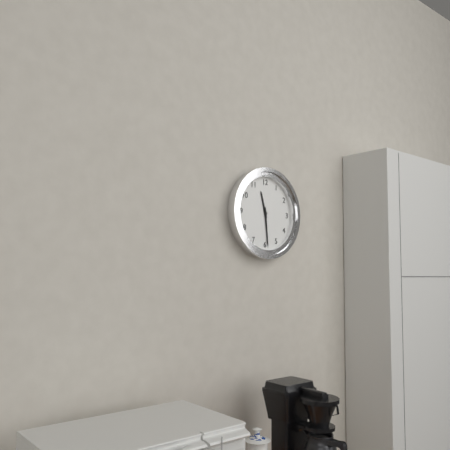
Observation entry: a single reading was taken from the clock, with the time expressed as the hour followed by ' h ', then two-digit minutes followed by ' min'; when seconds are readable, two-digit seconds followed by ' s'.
11 h 29 min
